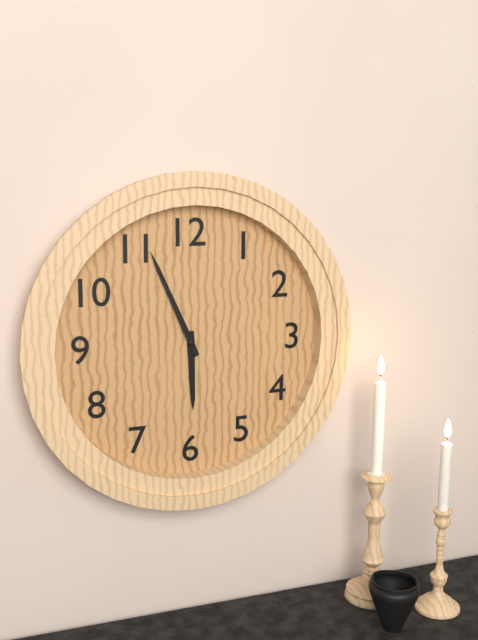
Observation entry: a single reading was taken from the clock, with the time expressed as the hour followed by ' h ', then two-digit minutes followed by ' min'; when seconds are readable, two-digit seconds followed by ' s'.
5 h 56 min
